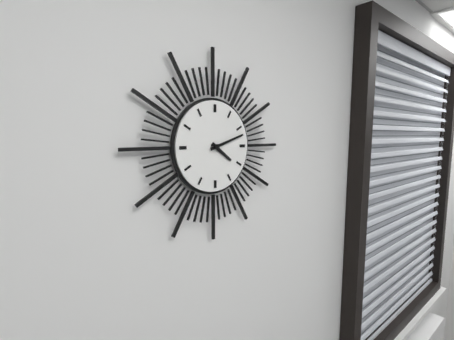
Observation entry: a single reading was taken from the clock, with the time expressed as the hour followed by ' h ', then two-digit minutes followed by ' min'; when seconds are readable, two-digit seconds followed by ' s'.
4 h 12 min
